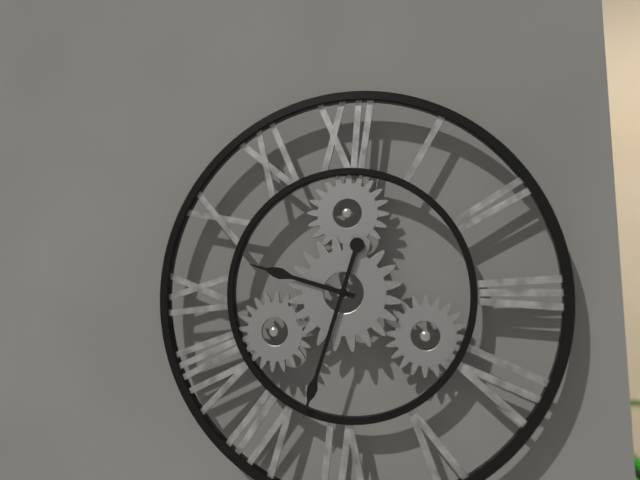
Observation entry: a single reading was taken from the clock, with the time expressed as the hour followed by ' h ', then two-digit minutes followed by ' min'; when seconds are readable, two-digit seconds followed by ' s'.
9 h 33 min
